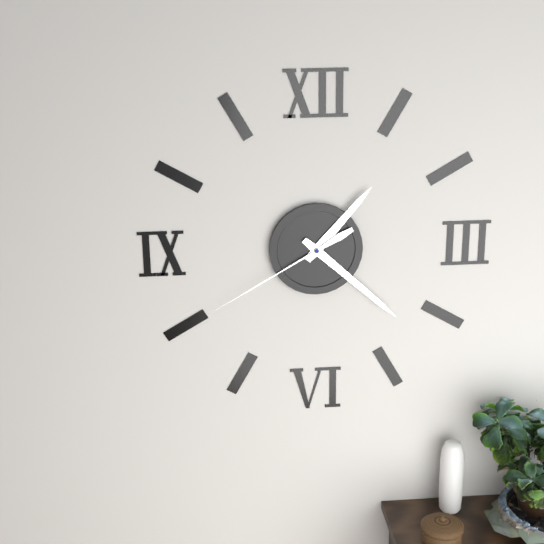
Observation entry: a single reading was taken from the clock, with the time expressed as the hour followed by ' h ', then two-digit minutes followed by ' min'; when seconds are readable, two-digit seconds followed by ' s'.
1 h 22 min 40 s
